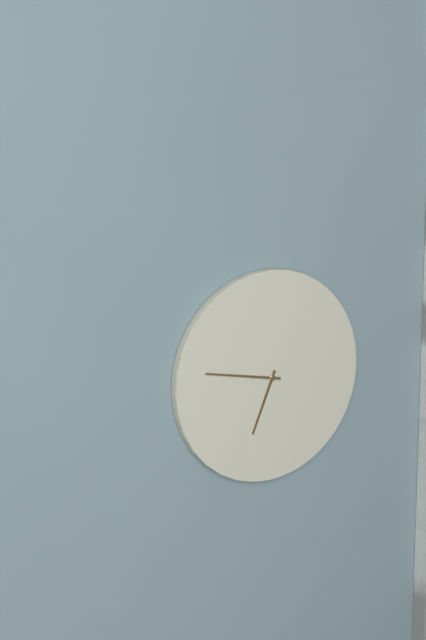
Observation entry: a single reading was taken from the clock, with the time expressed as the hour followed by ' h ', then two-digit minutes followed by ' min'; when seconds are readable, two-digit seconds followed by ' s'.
6 h 47 min
